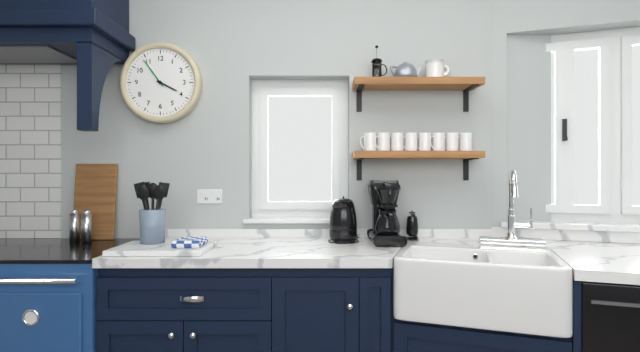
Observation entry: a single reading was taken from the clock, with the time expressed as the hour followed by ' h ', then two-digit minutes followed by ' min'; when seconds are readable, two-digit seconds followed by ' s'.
3 h 54 min
